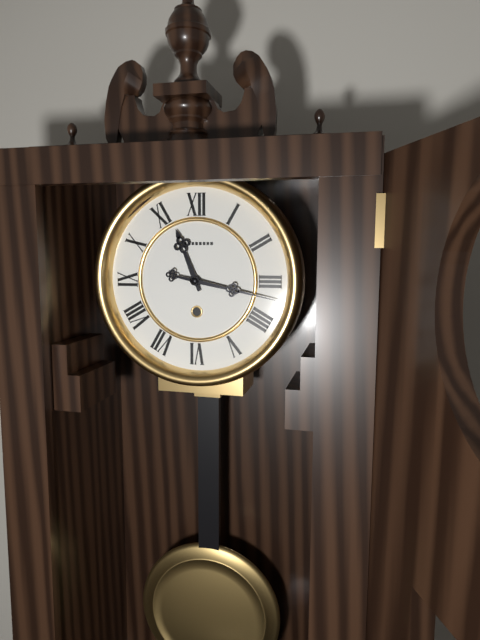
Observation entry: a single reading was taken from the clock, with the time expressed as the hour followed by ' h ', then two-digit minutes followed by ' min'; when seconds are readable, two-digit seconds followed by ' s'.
11 h 17 min
